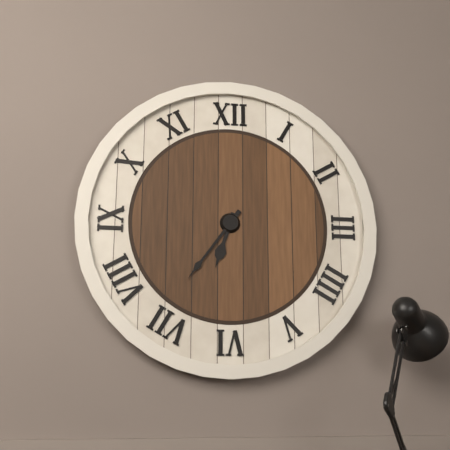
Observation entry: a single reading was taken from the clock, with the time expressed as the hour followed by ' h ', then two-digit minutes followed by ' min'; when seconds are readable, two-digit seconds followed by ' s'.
6 h 36 min
